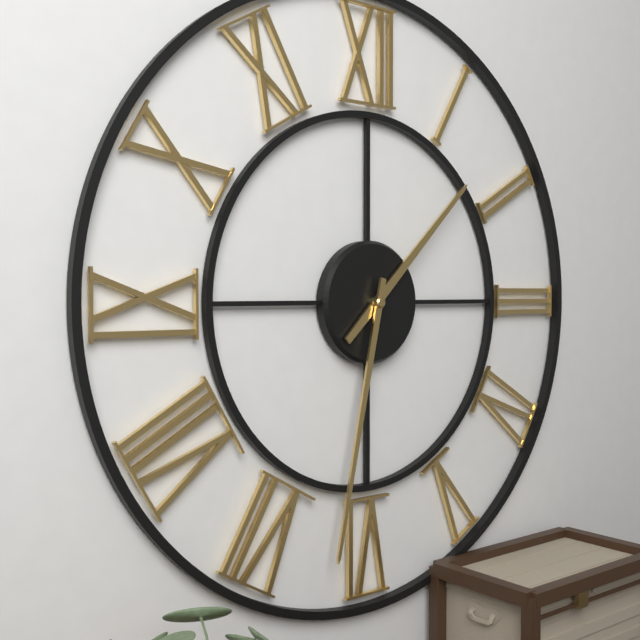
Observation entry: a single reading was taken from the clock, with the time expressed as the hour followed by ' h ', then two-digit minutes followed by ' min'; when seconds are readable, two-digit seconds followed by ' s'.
1 h 32 min
